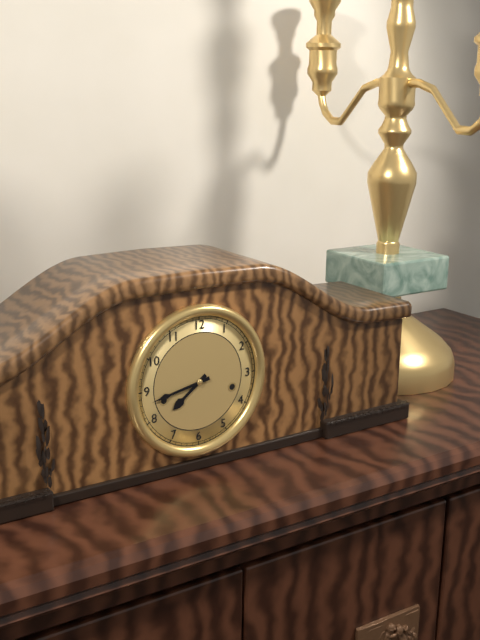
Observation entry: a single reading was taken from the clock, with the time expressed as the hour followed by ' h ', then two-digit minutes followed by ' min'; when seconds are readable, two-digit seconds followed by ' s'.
7 h 43 min
